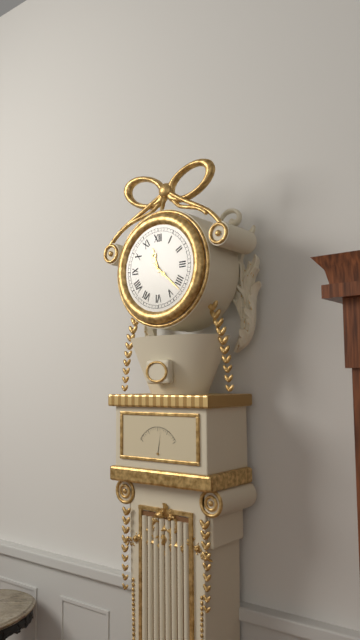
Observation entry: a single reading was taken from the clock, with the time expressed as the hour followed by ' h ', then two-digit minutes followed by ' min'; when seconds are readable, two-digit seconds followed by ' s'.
11 h 22 min
